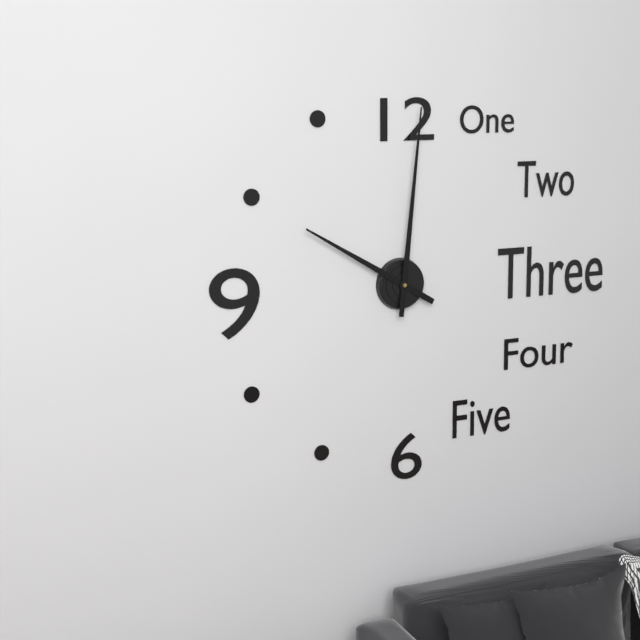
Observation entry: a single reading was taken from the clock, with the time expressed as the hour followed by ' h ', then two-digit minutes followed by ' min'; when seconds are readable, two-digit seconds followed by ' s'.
10 h 01 min
